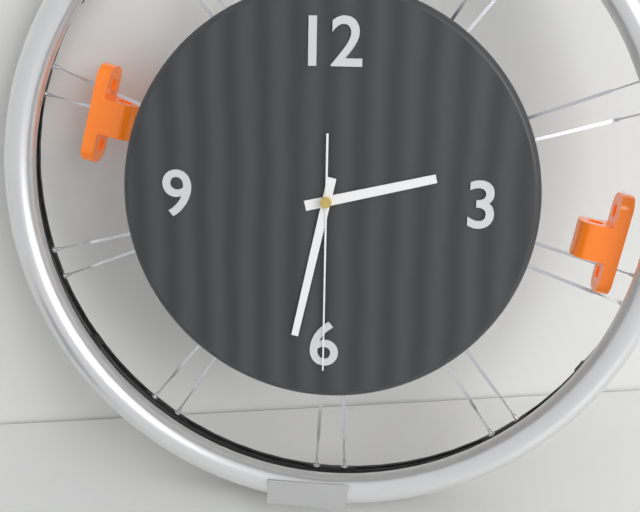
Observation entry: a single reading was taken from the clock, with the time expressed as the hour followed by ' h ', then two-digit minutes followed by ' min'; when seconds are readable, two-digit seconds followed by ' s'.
2 h 32 min 30 s
